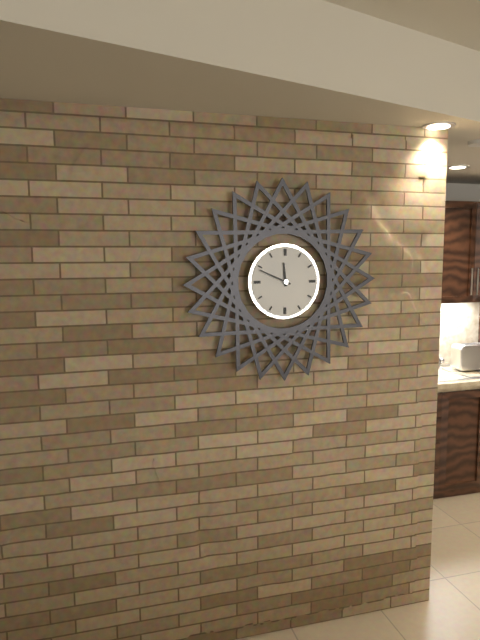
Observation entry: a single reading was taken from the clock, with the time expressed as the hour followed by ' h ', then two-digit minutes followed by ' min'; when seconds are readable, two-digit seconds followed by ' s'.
11 h 49 min
